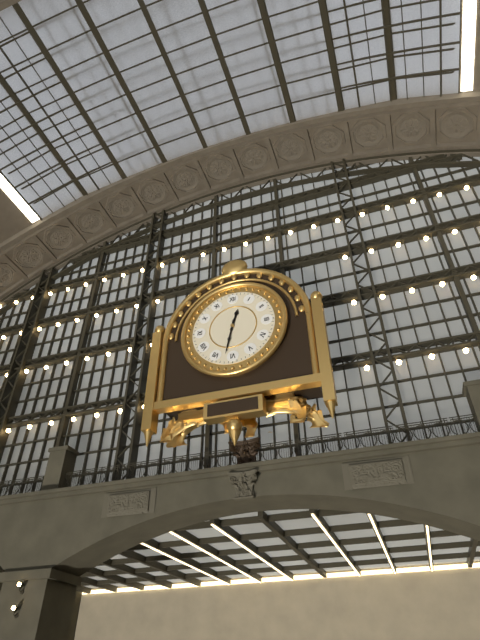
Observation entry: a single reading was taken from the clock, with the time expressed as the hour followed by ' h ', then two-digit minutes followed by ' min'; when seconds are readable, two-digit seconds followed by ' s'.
12 h 32 min
